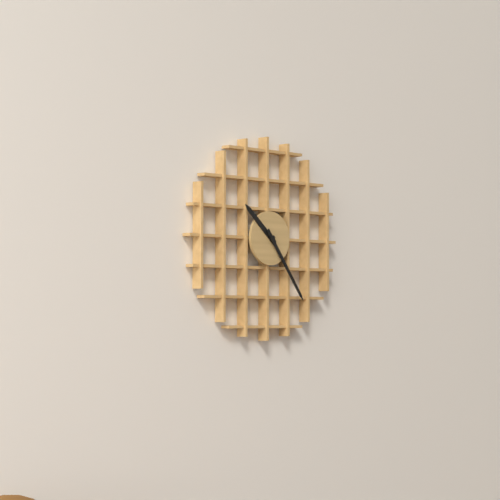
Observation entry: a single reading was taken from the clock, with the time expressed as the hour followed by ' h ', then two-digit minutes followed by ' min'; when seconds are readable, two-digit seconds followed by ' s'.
10 h 24 min
